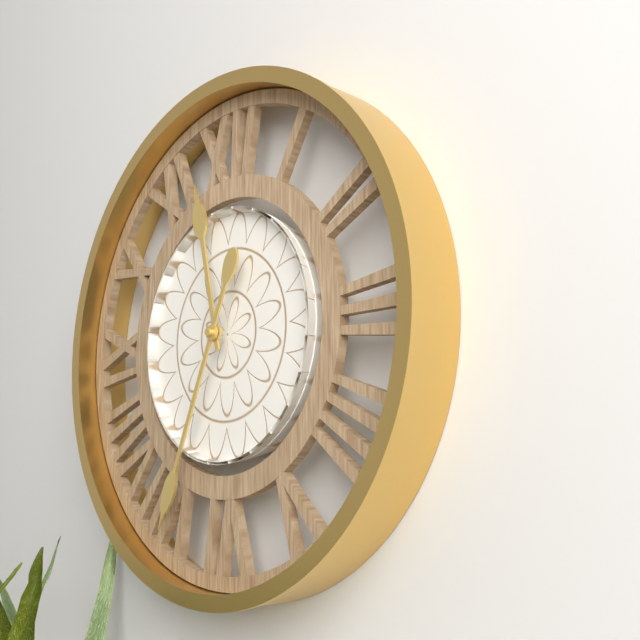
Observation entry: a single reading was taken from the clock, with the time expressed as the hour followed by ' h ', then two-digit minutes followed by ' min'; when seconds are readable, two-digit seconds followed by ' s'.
11 h 34 min
